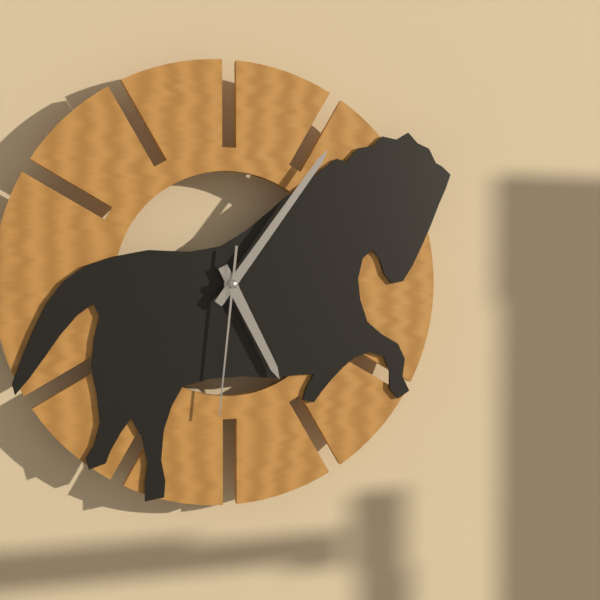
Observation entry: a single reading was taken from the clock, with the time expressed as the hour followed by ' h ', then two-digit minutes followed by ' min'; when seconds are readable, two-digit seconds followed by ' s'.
5 h 06 min 31 s
